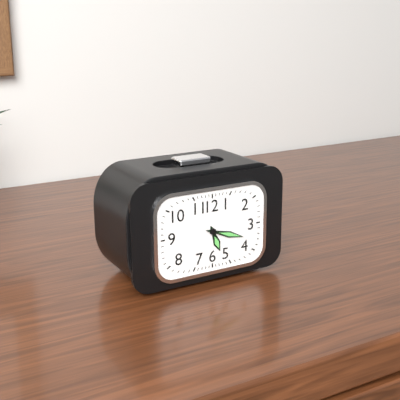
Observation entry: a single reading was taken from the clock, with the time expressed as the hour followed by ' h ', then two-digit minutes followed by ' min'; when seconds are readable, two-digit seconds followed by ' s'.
5 h 18 min
